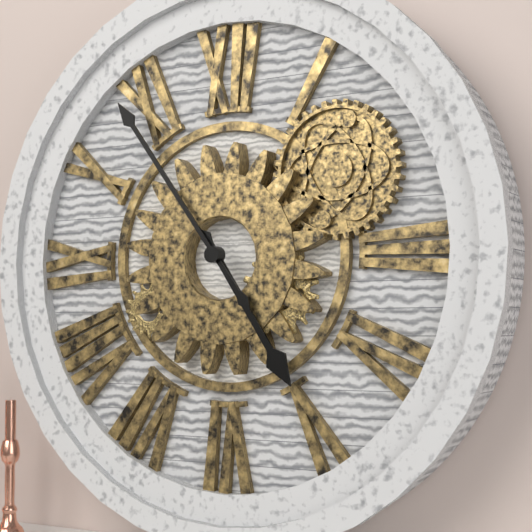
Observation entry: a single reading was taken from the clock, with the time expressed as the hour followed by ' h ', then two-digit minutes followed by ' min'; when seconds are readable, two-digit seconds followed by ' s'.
4 h 54 min
